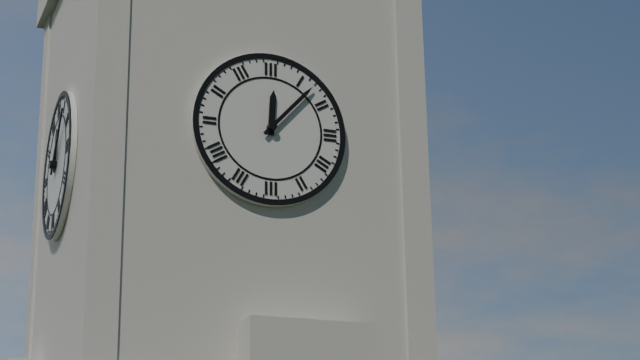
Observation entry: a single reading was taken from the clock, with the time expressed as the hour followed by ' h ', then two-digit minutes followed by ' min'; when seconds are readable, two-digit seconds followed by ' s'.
12 h 07 min
